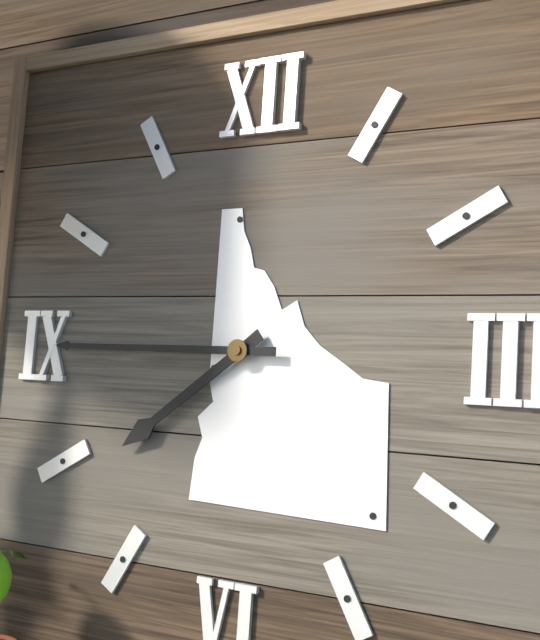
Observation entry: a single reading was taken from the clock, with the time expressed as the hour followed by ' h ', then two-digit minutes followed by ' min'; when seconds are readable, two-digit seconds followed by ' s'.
7 h 45 min
